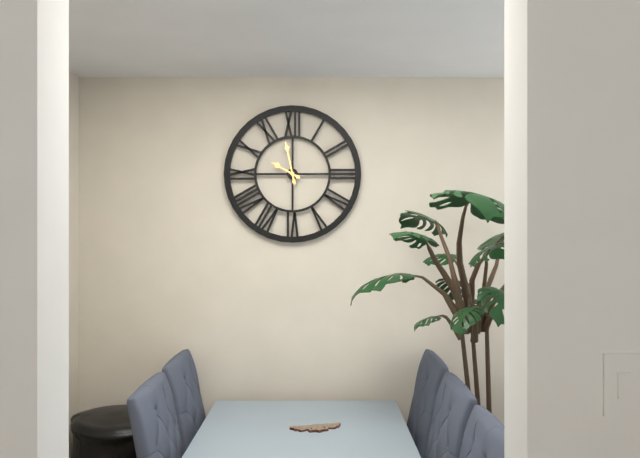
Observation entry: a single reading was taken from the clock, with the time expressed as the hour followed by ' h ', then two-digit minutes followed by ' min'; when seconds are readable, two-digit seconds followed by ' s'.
9 h 58 min
